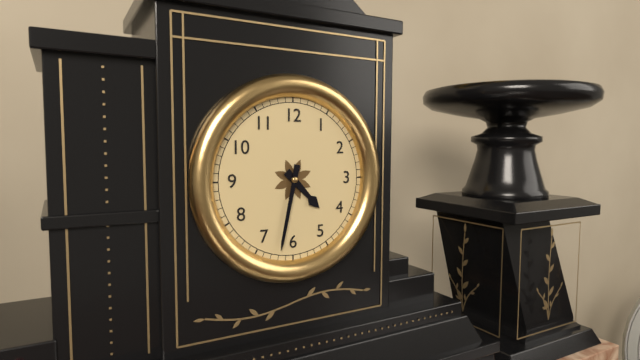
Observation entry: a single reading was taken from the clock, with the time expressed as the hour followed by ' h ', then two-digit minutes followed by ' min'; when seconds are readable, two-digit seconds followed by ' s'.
4 h 32 min
